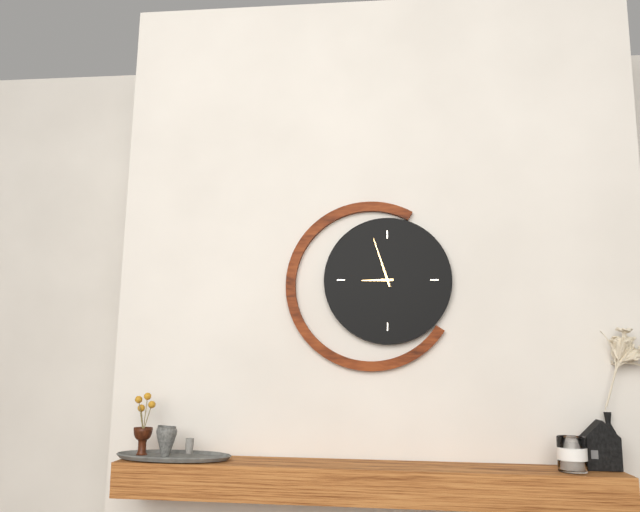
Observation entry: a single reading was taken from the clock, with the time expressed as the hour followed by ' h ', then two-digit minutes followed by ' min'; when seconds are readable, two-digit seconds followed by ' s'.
8 h 57 min
